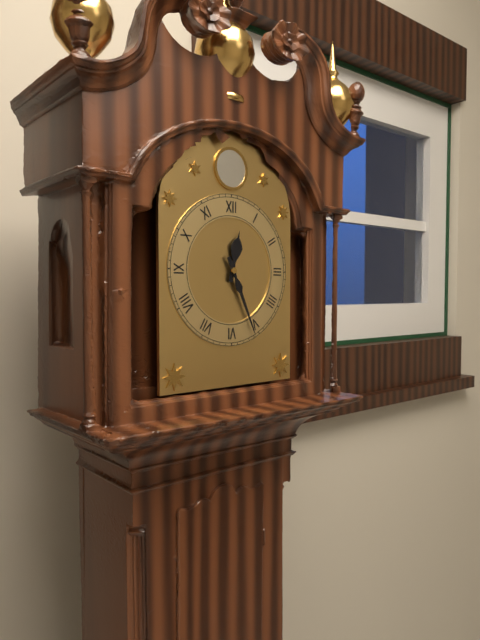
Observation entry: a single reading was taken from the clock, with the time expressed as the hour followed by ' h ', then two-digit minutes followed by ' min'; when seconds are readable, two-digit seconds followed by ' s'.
12 h 26 min
